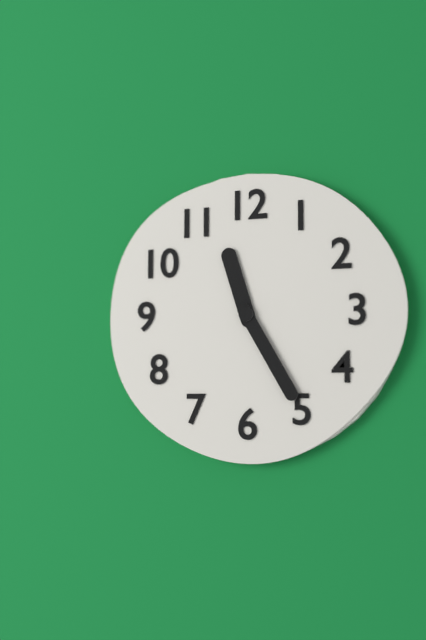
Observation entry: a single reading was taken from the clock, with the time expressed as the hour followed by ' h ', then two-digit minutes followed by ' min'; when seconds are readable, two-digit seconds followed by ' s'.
11 h 25 min
